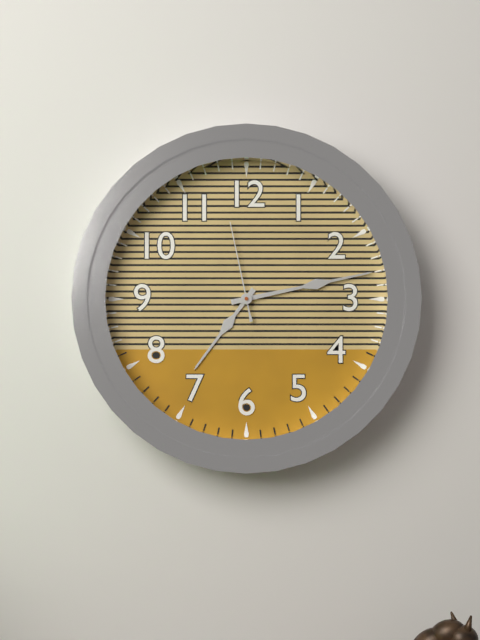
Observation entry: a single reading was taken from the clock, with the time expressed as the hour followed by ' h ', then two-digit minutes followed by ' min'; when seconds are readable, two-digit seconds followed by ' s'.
7 h 13 min 58 s
